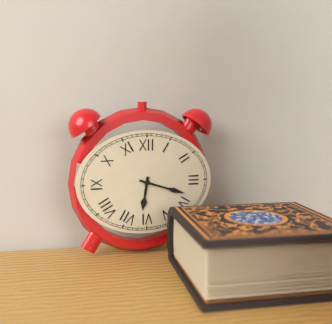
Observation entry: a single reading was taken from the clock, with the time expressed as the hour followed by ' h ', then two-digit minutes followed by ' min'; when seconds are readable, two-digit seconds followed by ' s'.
6 h 18 min
